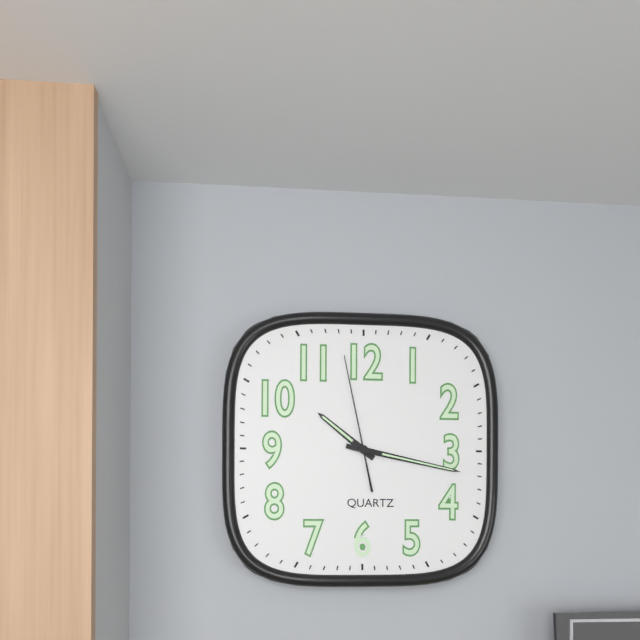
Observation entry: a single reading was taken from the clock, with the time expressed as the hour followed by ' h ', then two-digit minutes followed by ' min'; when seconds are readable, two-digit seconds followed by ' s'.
10 h 17 min 58 s
